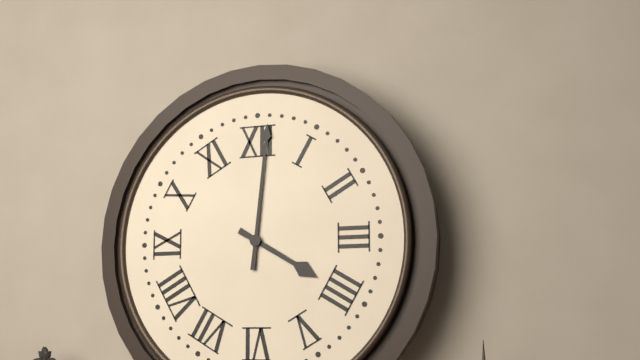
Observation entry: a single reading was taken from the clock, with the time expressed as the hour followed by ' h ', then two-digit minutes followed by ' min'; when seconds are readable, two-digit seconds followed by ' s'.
4 h 01 min
